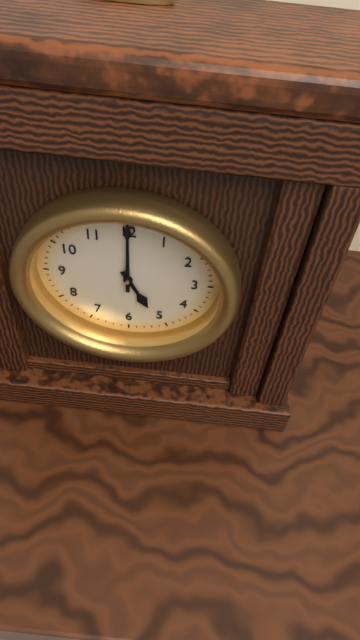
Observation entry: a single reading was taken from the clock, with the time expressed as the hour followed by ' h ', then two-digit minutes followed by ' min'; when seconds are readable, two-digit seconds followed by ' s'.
5 h 00 min
